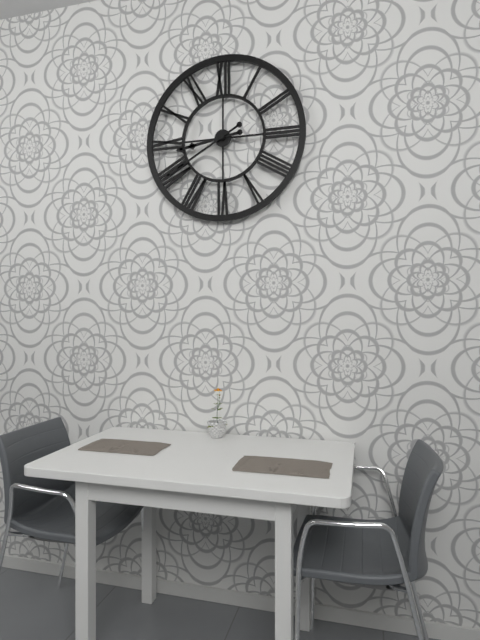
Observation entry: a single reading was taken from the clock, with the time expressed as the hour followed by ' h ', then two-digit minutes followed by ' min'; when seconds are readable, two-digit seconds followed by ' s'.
8 h 40 min
